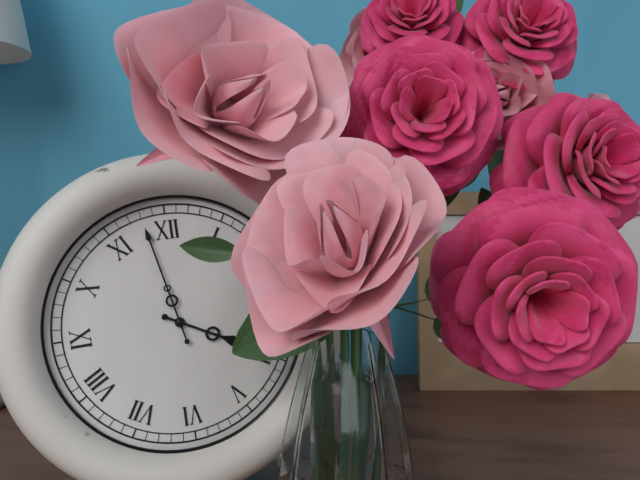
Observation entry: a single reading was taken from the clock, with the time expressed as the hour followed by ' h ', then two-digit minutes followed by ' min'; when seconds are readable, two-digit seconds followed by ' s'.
3 h 58 min
